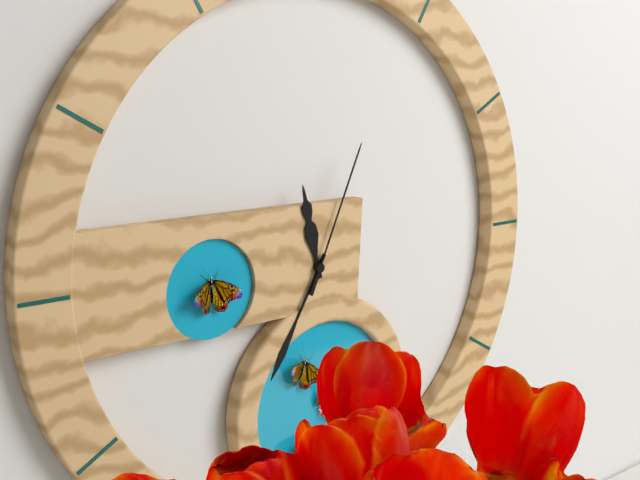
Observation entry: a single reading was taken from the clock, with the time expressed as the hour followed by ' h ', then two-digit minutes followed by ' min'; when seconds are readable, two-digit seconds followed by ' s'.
11 h 35 min 04 s
